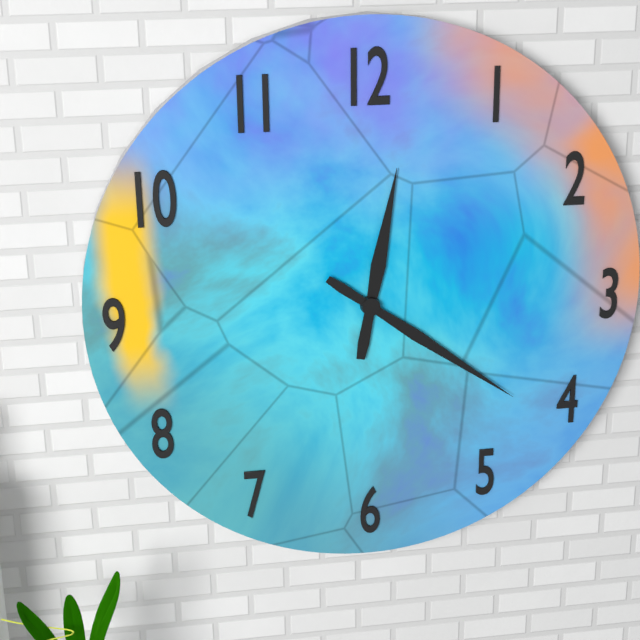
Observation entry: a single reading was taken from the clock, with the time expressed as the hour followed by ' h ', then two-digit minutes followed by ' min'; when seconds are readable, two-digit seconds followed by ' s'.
12 h 21 min
